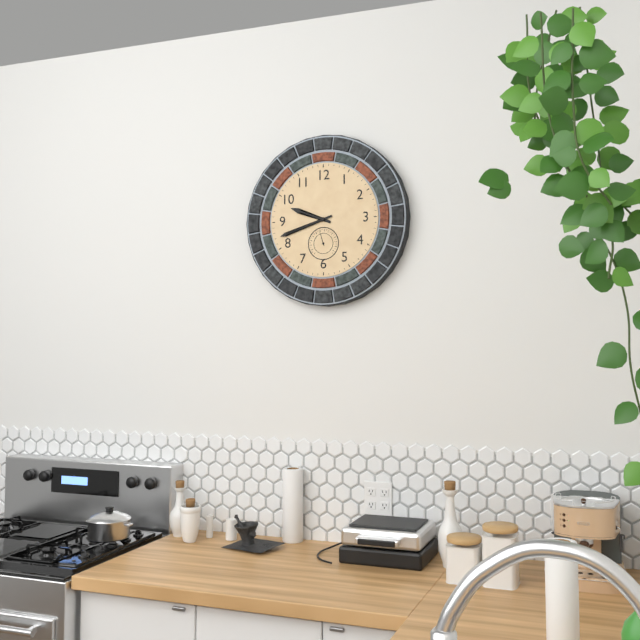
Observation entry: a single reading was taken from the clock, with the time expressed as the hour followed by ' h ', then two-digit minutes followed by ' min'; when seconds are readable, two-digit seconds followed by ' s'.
9 h 42 min
